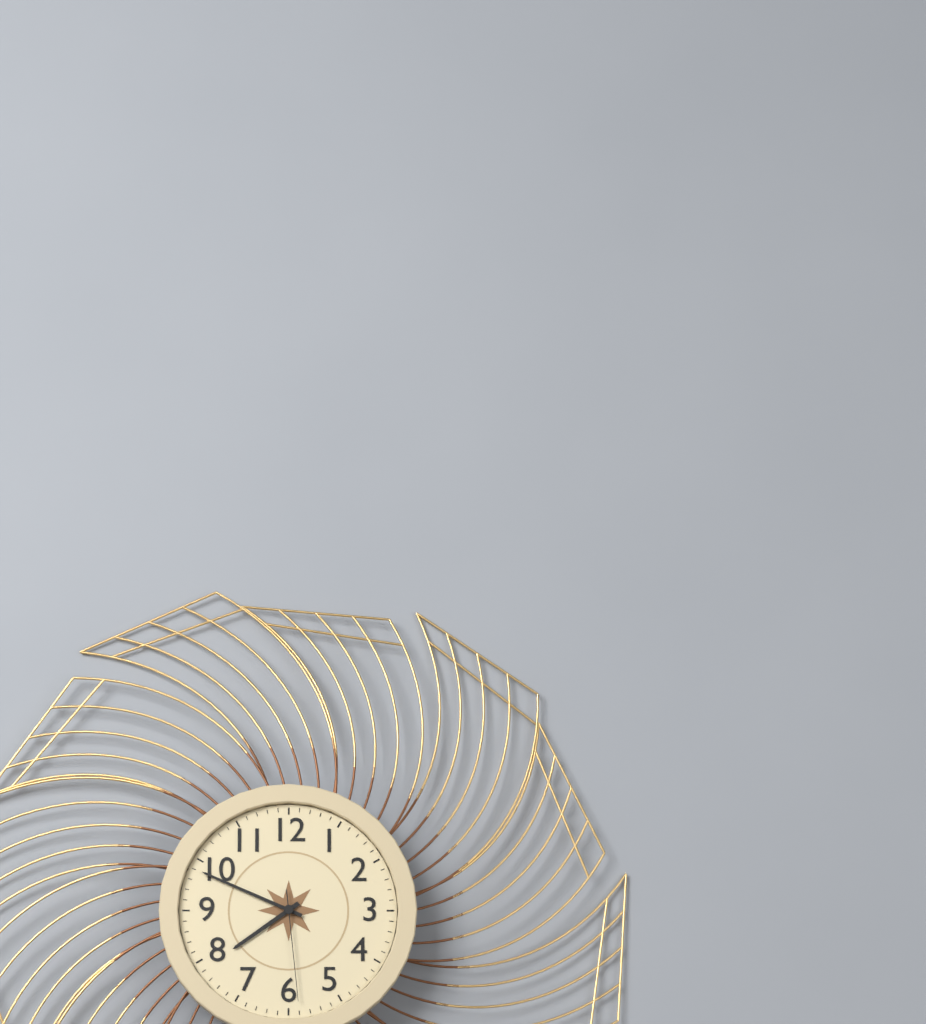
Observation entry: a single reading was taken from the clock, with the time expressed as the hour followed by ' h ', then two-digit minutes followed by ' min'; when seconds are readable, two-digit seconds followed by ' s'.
7 h 49 min 29 s
